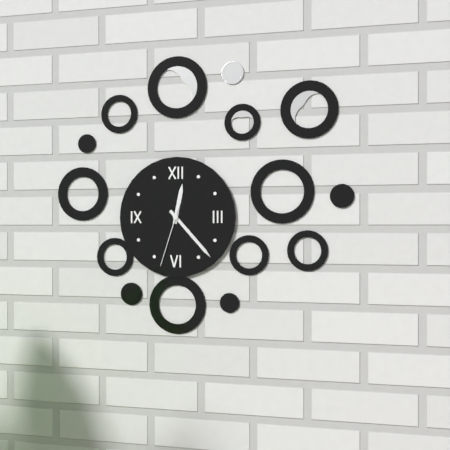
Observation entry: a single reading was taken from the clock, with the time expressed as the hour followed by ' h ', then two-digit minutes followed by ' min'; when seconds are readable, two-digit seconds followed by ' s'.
12 h 23 min 33 s
